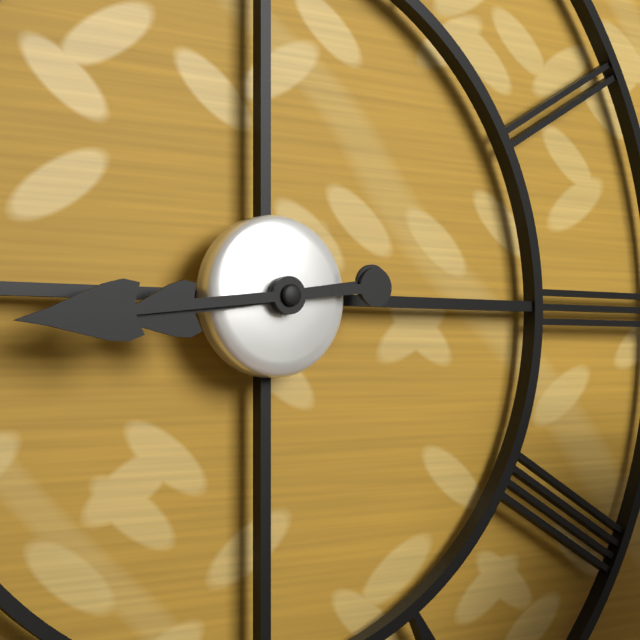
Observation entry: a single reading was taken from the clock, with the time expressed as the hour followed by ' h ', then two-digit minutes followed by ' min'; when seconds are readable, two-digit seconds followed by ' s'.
8 h 44 min
